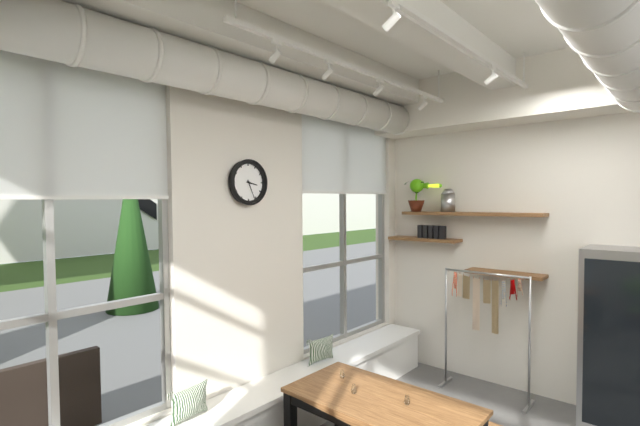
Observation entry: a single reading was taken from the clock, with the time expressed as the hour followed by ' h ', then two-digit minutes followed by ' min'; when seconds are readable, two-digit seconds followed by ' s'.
3 h 26 min
